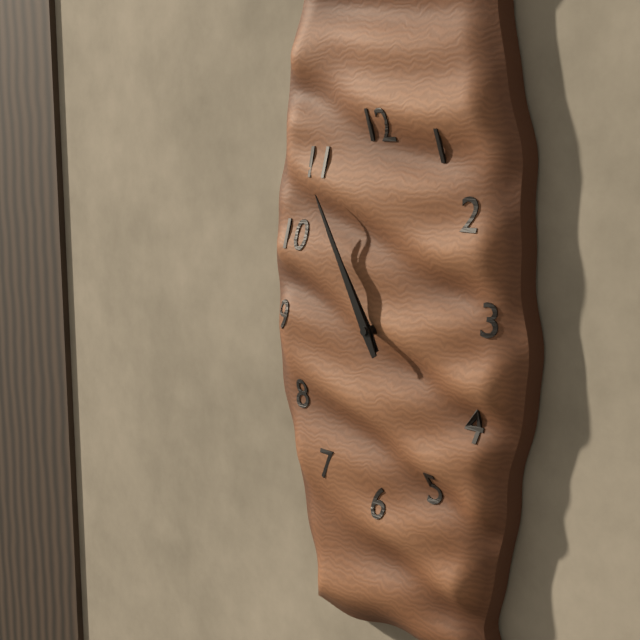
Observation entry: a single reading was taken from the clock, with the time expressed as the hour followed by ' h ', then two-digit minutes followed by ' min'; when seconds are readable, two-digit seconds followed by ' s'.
10 h 55 min
